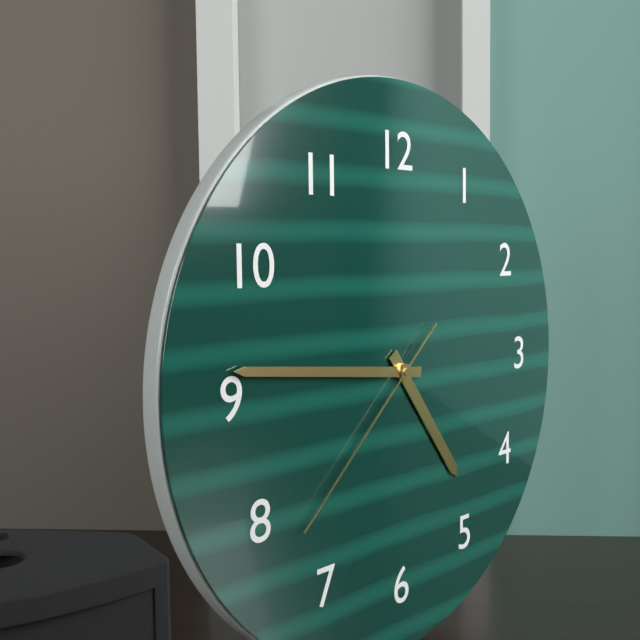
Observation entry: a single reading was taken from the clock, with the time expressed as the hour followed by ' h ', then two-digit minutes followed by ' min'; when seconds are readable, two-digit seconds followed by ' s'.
4 h 46 min 38 s
